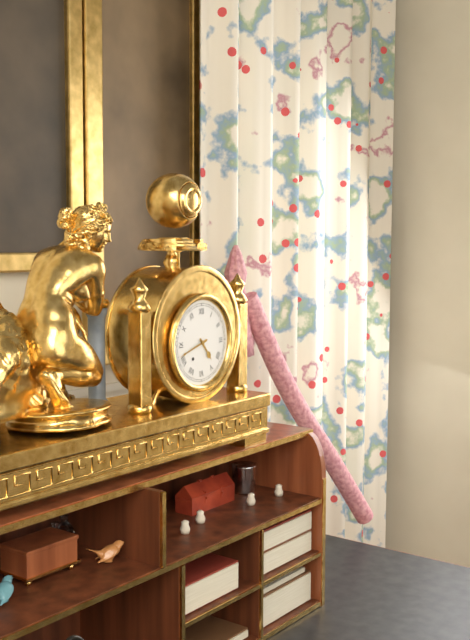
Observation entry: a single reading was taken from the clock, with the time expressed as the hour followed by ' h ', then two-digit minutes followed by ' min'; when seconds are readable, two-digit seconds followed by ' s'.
4 h 42 min
